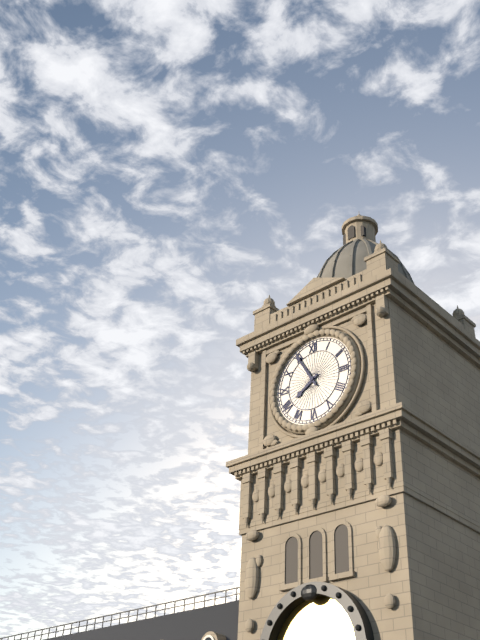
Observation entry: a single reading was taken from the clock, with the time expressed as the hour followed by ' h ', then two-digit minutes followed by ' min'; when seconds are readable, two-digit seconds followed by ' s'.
7 h 55 min
